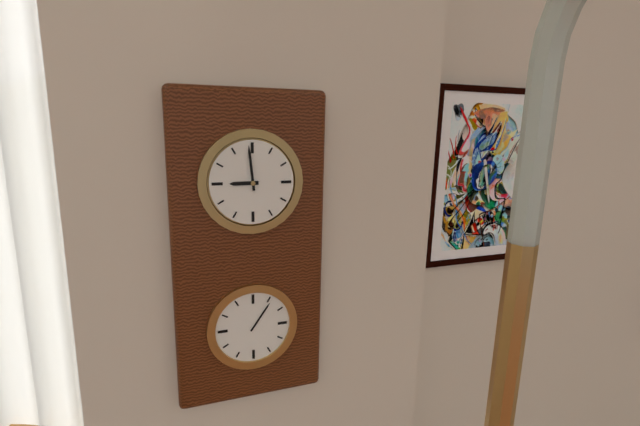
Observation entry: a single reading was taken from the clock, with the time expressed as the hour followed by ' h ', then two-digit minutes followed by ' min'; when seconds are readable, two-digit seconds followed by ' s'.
8 h 59 min
